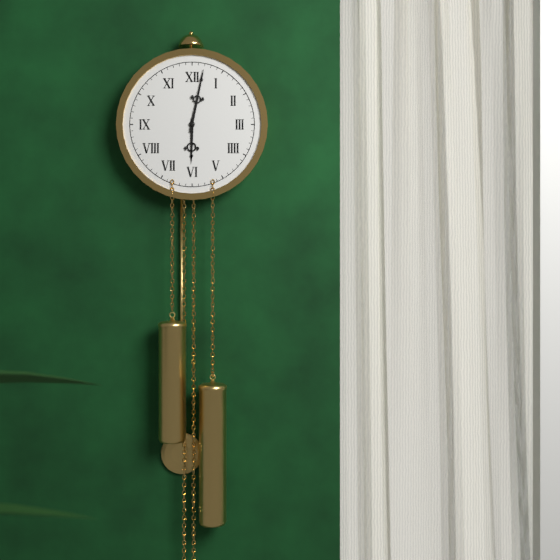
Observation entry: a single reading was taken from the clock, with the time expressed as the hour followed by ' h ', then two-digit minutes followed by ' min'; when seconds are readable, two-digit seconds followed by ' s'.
6 h 02 min
